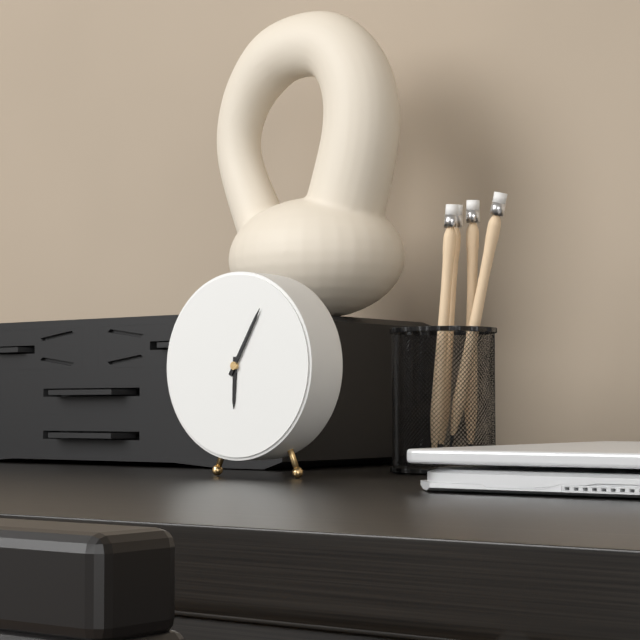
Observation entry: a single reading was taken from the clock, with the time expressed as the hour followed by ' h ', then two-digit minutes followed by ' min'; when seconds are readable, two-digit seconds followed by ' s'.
6 h 05 min
